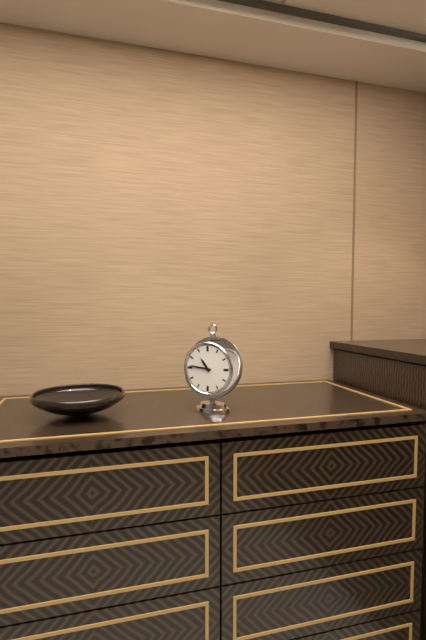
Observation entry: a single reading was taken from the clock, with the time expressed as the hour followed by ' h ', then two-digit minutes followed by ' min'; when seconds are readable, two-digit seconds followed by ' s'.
10 h 46 min
